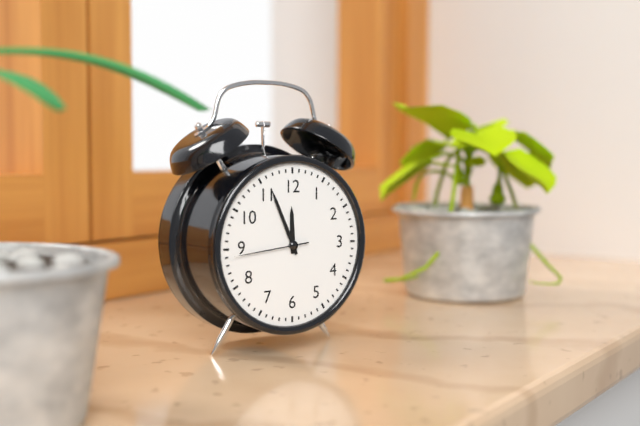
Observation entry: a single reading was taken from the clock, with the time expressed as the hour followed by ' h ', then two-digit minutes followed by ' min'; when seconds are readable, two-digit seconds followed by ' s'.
11 h 56 min 44 s
